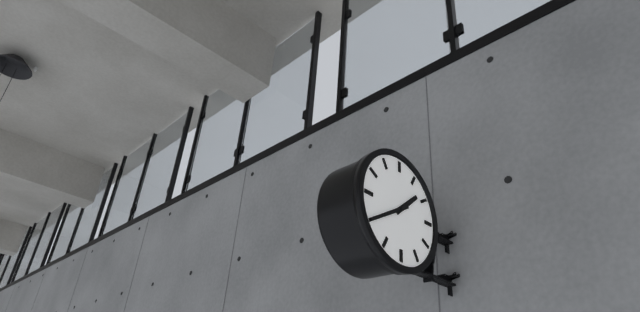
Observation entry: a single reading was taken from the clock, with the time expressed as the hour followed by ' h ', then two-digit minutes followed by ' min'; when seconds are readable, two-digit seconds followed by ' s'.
1 h 40 min
